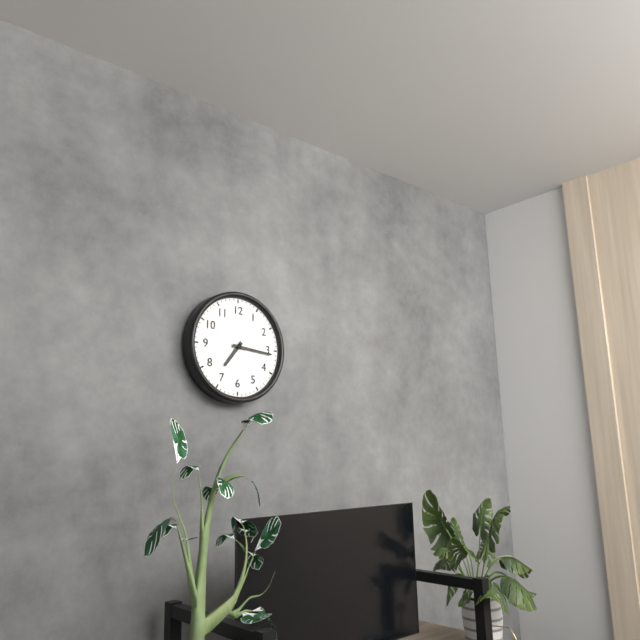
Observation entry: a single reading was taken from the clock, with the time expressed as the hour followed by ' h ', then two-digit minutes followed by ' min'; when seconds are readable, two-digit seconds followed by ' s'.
7 h 16 min
